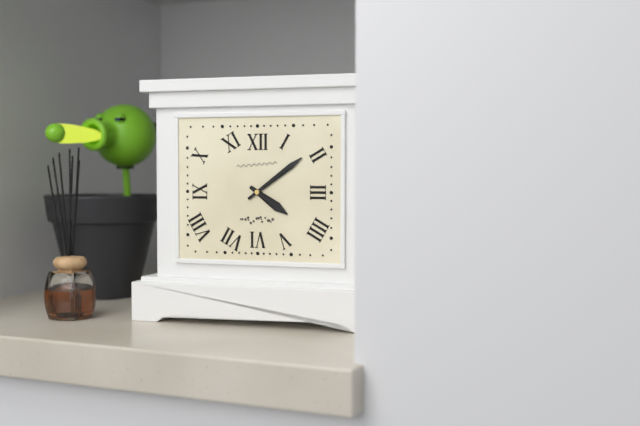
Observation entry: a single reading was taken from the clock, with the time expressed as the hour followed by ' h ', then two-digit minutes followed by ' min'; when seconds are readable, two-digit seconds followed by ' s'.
4 h 09 min
